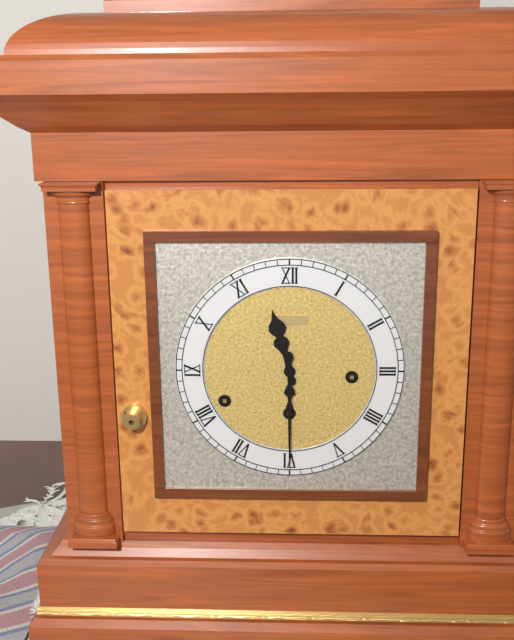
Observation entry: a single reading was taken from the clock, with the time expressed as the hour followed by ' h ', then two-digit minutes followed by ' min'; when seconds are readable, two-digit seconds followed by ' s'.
11 h 30 min
